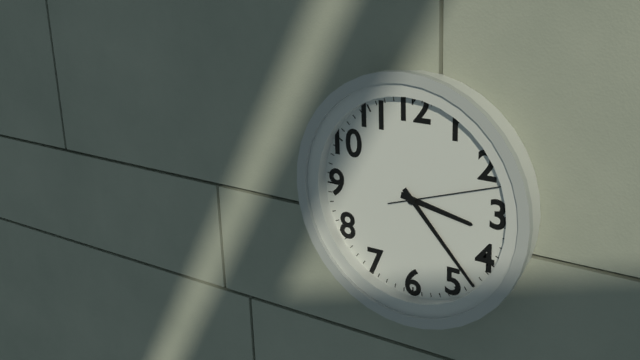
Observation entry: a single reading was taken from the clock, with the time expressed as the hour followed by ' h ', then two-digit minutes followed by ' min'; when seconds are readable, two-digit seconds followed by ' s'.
3 h 23 min 12 s
